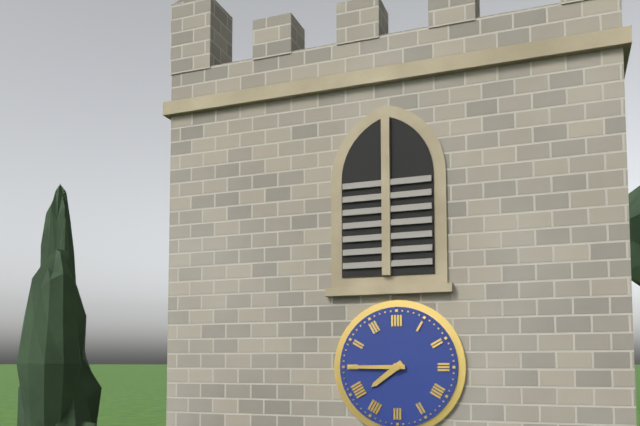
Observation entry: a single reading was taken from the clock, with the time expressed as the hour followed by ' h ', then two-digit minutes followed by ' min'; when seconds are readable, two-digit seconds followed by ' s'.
7 h 45 min
